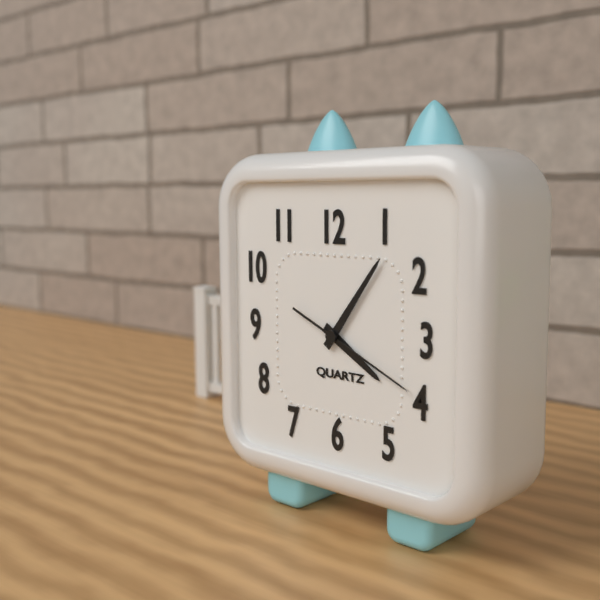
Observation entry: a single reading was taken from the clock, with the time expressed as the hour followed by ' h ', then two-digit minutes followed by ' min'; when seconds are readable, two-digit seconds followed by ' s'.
4 h 06 min 19 s
